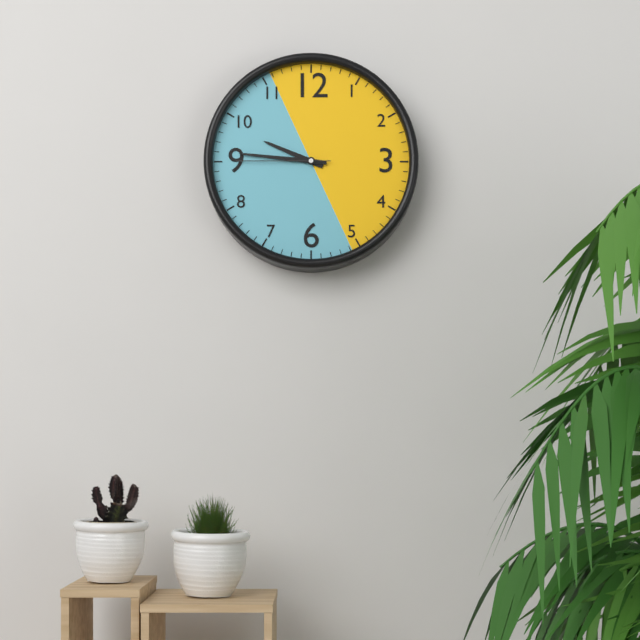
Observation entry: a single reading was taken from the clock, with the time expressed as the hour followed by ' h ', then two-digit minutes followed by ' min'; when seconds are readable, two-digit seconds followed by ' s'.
9 h 46 min 45 s
